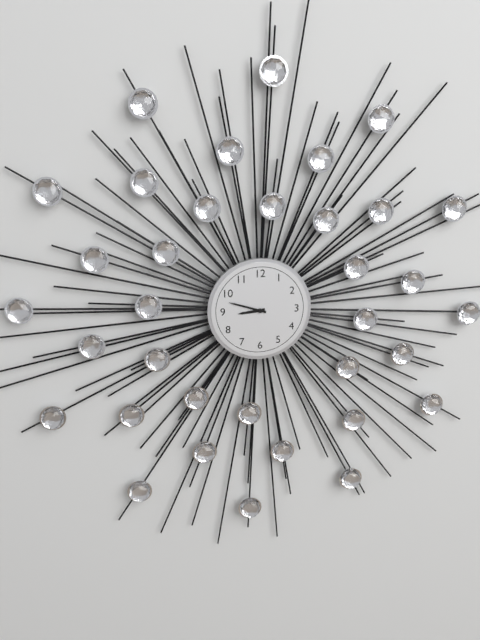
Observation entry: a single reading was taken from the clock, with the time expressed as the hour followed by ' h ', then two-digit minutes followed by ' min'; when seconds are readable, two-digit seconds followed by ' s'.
8 h 48 min
